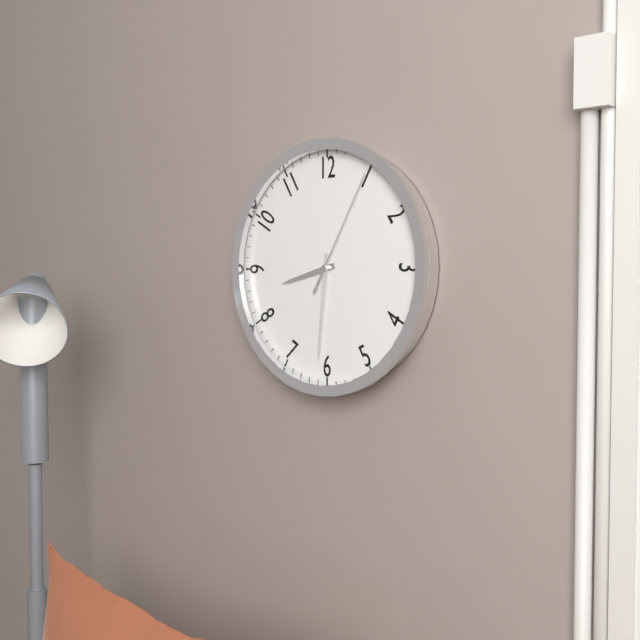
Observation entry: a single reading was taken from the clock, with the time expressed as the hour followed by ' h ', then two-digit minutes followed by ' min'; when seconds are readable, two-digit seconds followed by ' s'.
8 h 31 min 05 s
